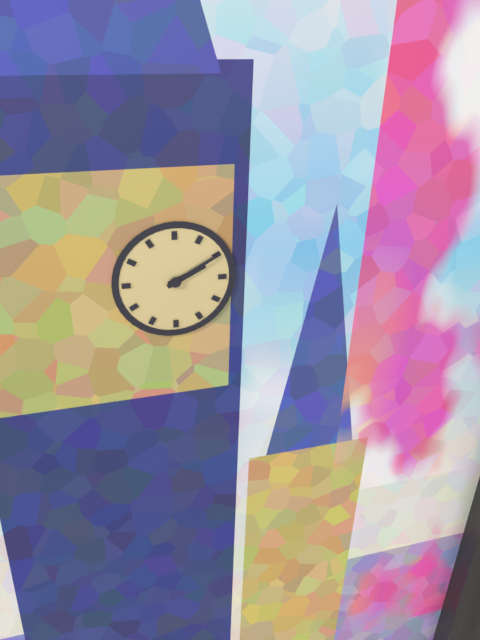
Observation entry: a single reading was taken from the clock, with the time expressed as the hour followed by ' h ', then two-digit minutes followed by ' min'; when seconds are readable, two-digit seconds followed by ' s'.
2 h 10 min
